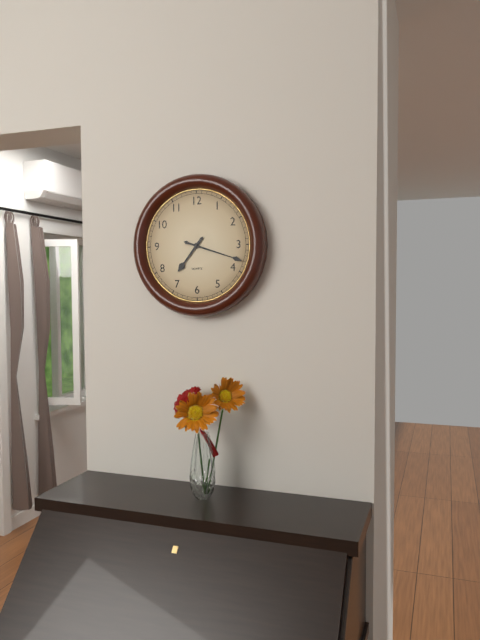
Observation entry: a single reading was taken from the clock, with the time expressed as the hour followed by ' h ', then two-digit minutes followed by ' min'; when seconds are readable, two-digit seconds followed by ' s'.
7 h 18 min
